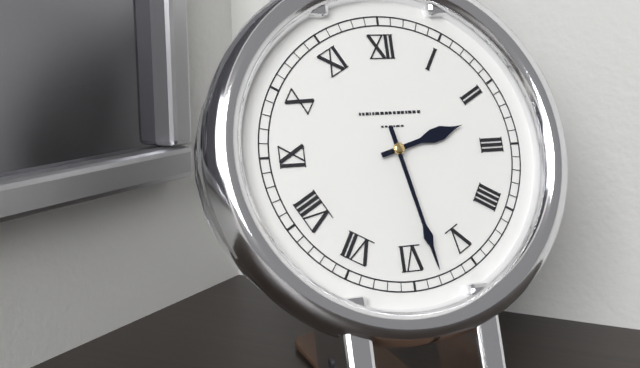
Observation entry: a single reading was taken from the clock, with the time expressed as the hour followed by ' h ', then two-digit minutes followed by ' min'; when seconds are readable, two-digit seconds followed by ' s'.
2 h 28 min
